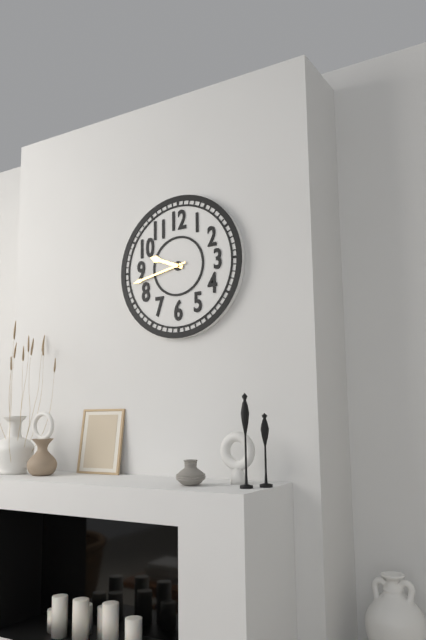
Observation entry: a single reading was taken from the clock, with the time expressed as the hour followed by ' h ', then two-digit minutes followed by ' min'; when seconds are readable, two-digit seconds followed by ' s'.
9 h 43 min
